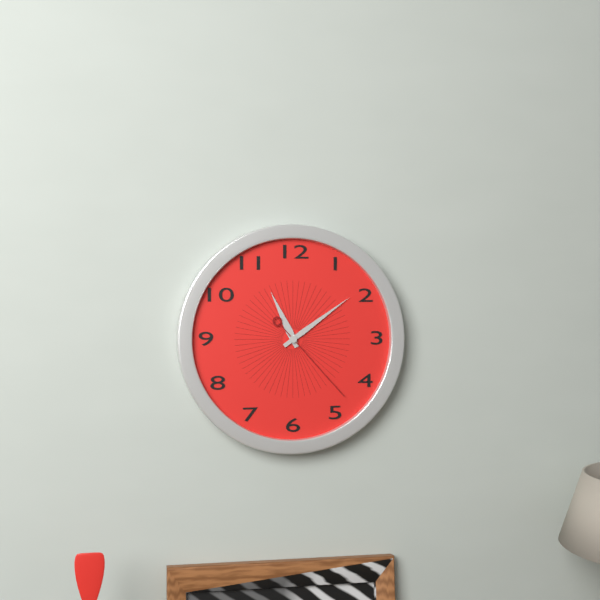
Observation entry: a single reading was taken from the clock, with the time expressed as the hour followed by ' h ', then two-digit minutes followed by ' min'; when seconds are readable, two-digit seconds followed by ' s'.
11 h 09 min 23 s
